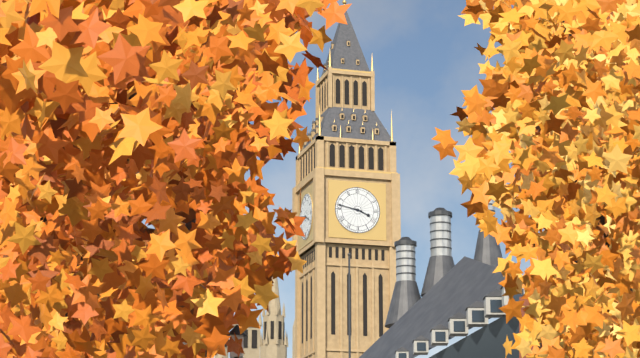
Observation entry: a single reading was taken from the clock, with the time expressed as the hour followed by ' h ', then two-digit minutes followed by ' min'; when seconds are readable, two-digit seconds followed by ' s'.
3 h 47 min
